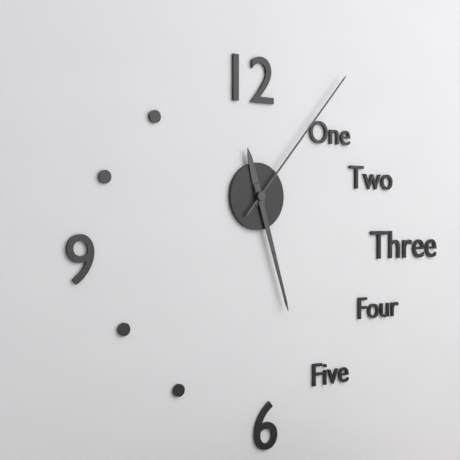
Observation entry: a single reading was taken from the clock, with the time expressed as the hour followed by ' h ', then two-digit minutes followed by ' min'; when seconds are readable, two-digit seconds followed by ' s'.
11 h 27 min 07 s
